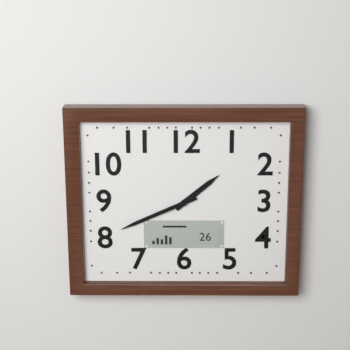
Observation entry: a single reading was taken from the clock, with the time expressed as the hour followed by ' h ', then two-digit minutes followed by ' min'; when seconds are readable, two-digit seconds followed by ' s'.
1 h 41 min
